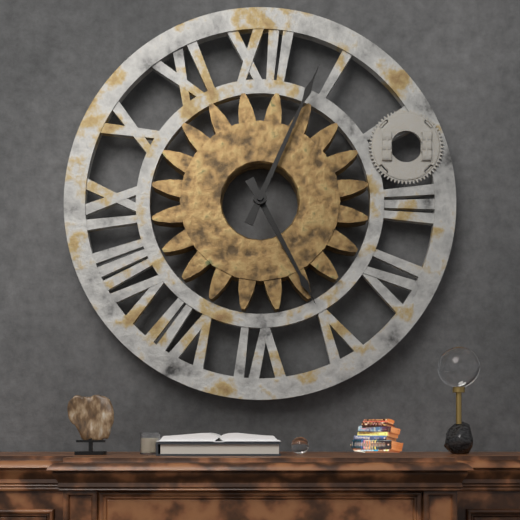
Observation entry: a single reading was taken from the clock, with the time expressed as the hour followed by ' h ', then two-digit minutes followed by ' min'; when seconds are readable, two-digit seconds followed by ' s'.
5 h 04 min
